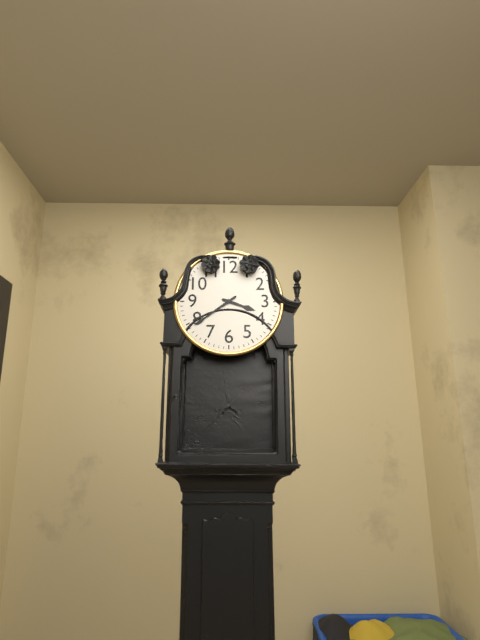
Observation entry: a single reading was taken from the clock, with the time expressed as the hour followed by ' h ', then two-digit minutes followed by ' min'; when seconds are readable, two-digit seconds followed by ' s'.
3 h 39 min
